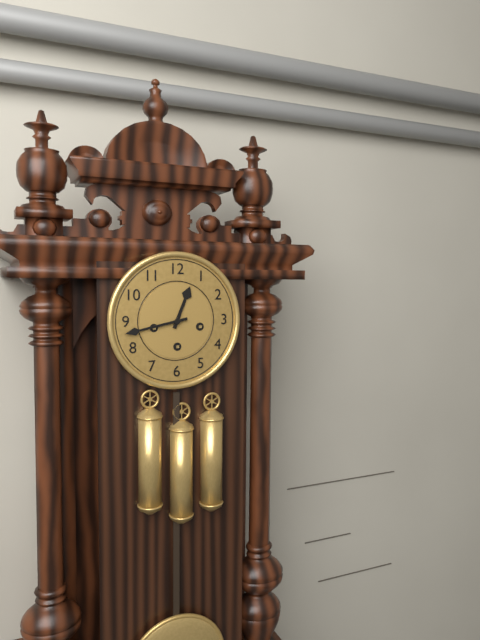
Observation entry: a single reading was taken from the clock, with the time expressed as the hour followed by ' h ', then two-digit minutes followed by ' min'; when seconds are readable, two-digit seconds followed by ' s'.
12 h 43 min
